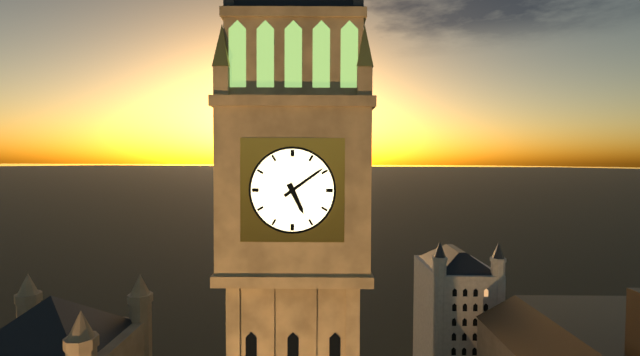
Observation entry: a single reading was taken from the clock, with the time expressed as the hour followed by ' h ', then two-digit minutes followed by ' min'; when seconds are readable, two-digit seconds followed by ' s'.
5 h 09 min
